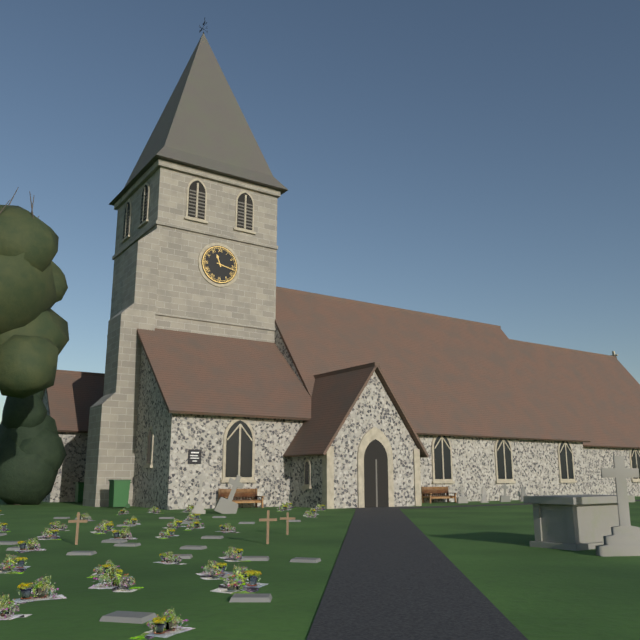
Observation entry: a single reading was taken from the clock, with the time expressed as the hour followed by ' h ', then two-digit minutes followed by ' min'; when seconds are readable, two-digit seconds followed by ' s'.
11 h 17 min
